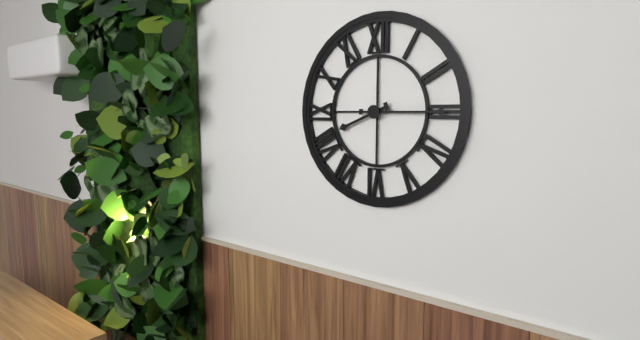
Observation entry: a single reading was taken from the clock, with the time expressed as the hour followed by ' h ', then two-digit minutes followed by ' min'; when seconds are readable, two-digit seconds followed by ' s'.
8 h 15 min
